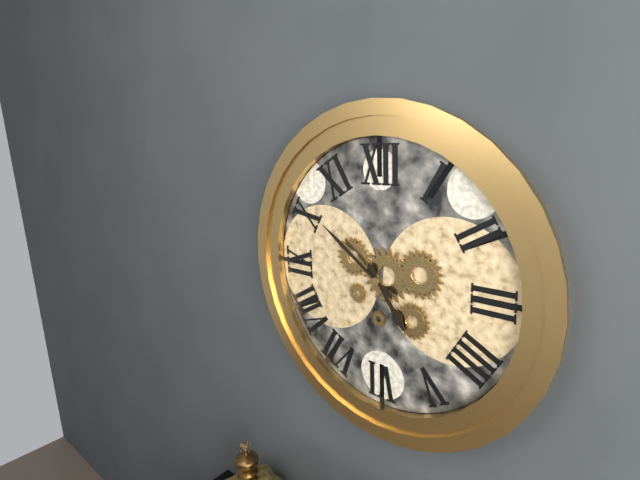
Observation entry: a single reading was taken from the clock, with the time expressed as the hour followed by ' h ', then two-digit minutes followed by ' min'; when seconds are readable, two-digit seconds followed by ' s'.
4 h 51 min
